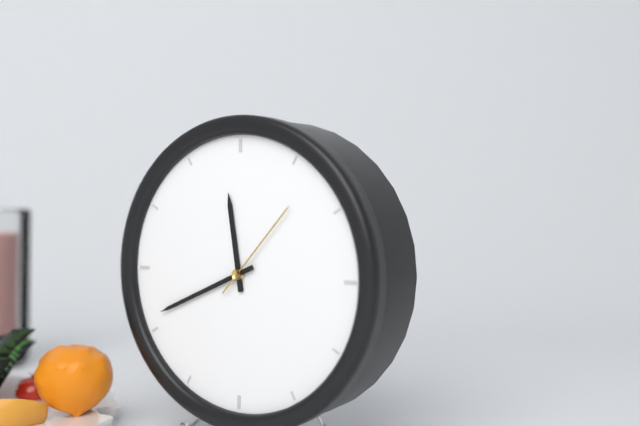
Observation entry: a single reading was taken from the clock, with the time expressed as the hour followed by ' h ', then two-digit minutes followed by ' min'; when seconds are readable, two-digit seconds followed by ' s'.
11 h 41 min 07 s
